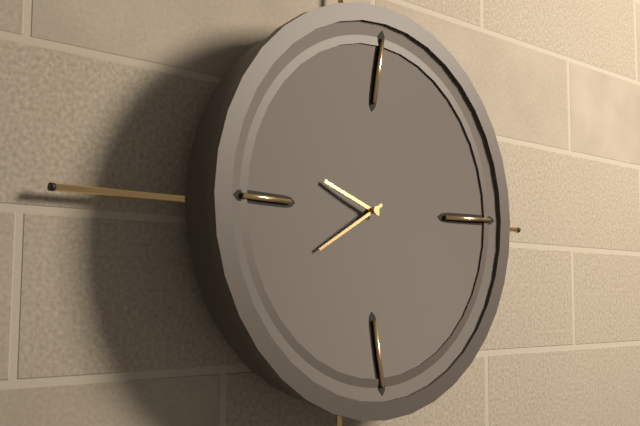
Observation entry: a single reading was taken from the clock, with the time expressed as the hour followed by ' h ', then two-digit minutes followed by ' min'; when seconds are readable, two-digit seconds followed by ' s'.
9 h 40 min
